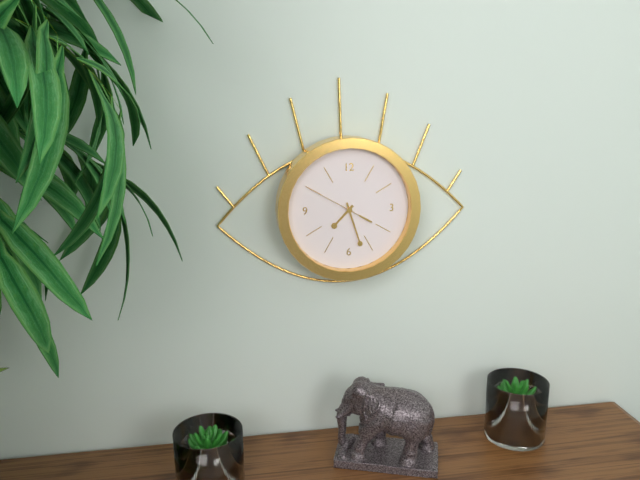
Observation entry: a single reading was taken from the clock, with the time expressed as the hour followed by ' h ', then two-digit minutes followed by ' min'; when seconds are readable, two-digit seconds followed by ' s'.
7 h 27 min 50 s
